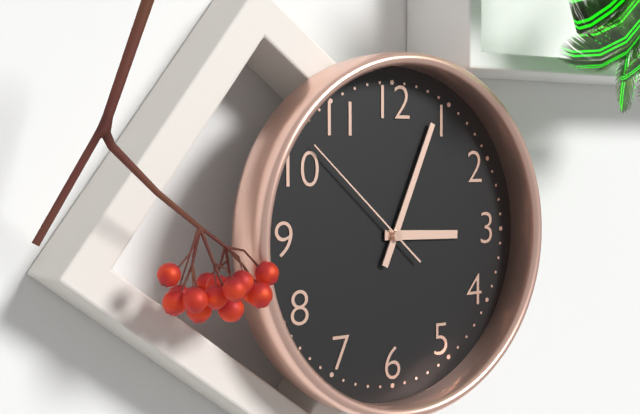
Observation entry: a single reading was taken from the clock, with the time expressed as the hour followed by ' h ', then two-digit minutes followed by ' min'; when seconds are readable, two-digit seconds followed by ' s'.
3 h 04 min 52 s
